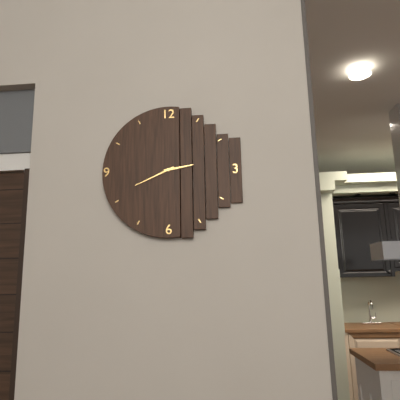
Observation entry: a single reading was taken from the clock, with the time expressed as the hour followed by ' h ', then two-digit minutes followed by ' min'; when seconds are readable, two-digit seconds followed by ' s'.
2 h 41 min
